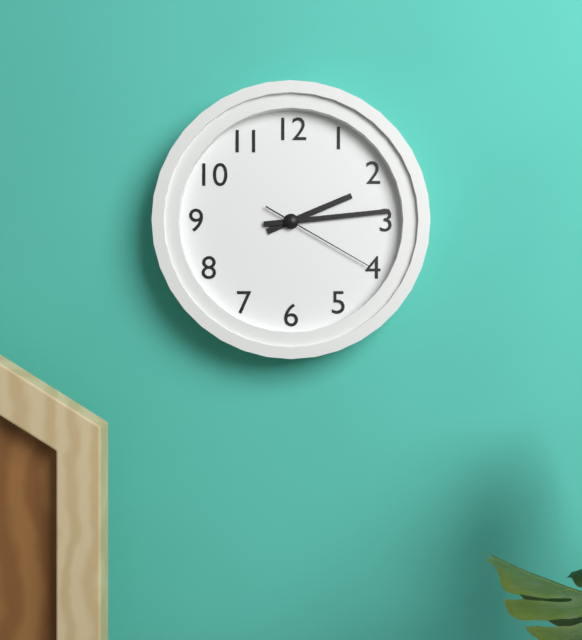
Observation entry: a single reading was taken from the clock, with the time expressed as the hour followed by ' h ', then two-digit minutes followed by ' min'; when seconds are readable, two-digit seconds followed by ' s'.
2 h 14 min 20 s
